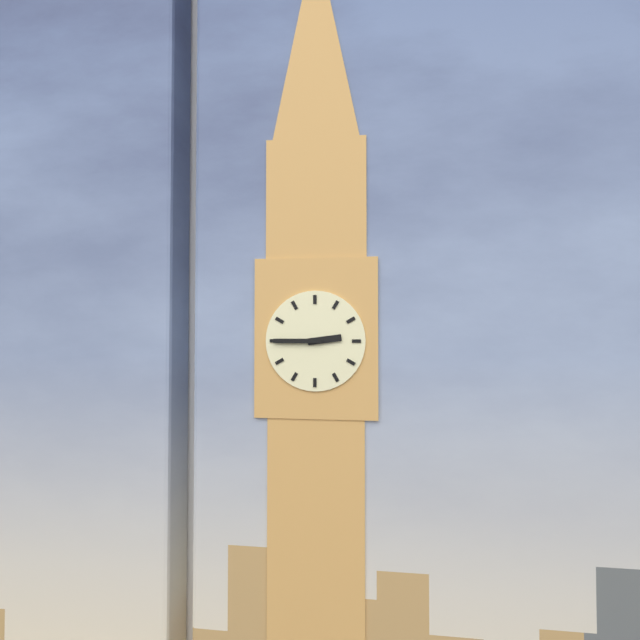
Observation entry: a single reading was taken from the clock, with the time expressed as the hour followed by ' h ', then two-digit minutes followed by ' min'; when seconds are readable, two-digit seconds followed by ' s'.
2 h 45 min
